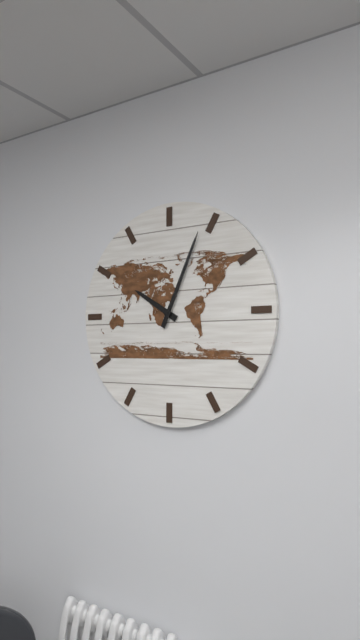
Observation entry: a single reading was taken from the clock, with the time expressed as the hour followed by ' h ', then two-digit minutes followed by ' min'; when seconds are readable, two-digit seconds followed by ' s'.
10 h 04 min
